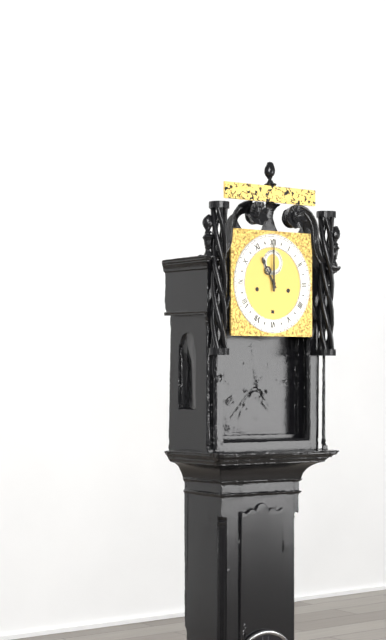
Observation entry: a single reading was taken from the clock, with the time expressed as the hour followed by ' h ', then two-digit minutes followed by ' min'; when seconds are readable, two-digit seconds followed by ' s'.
11 h 00 min
